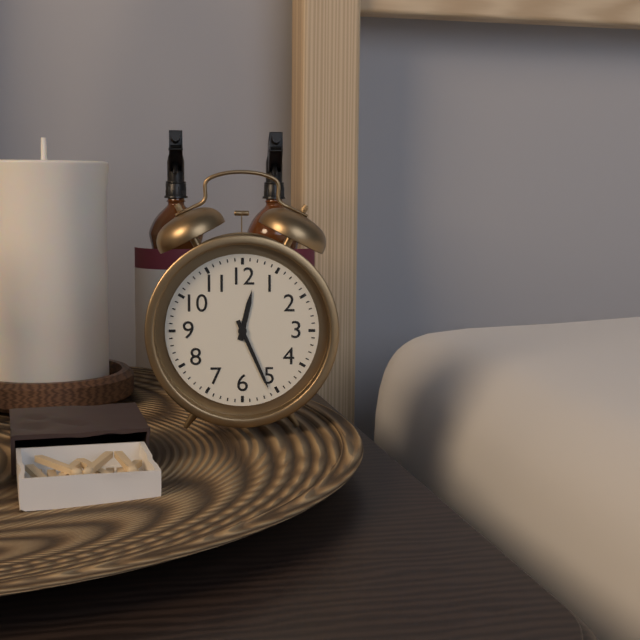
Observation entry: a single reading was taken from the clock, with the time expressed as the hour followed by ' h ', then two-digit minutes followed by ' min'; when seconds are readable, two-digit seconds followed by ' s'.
12 h 26 min
